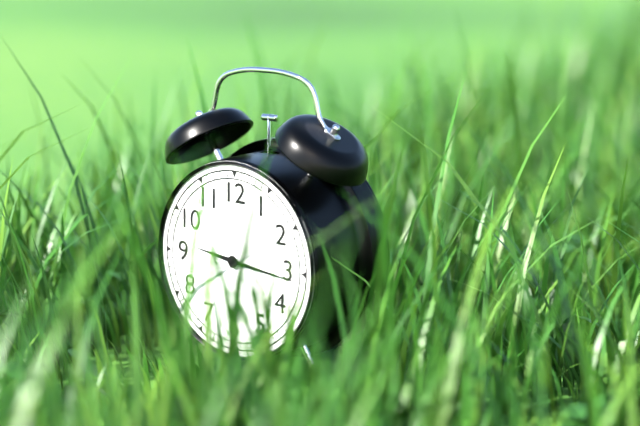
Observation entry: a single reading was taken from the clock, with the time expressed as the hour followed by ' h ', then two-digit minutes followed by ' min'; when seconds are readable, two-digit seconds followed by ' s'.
9 h 16 min
